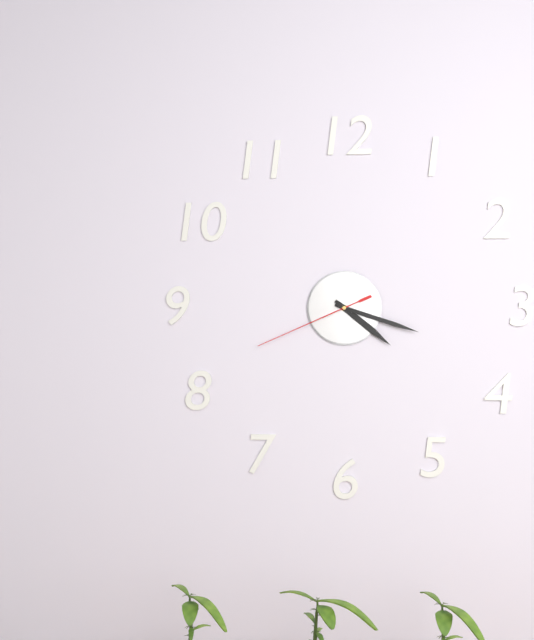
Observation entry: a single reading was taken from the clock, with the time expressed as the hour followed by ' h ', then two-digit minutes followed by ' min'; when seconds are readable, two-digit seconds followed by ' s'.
4 h 18 min 41 s
